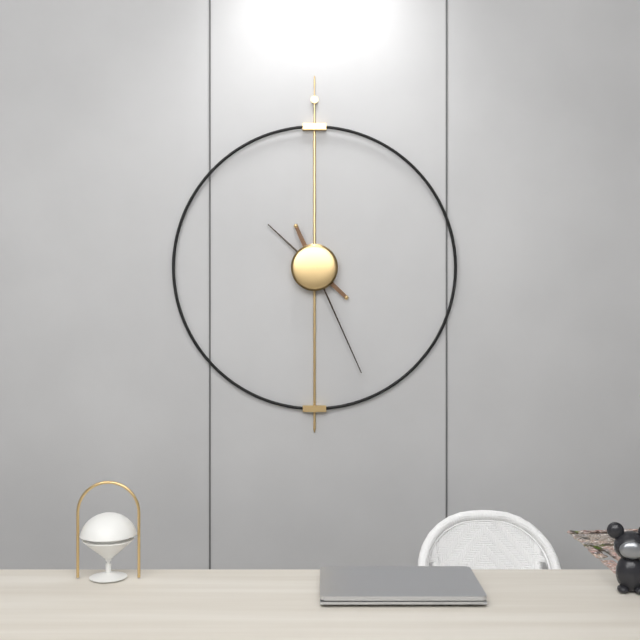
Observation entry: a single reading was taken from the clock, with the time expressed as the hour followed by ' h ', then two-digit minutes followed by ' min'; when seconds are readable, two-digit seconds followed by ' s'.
10 h 26 min
